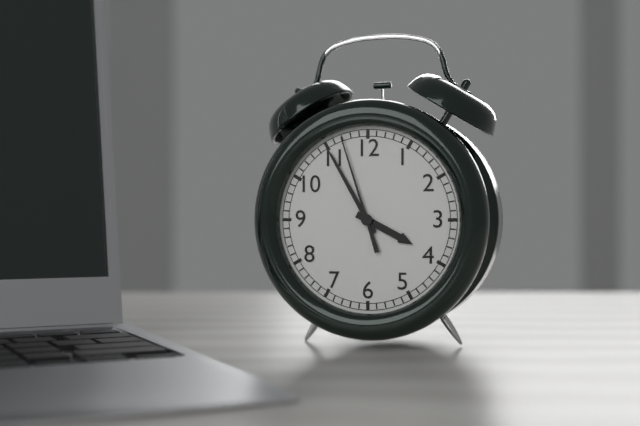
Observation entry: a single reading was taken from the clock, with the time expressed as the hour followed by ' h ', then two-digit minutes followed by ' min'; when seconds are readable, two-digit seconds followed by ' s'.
3 h 55 min 57 s
